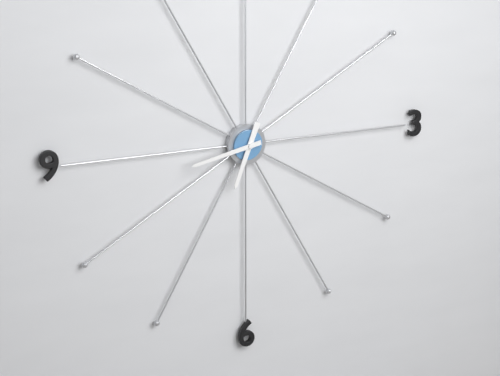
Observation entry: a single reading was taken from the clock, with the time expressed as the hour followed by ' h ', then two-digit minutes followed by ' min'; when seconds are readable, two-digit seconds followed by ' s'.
6 h 43 min
